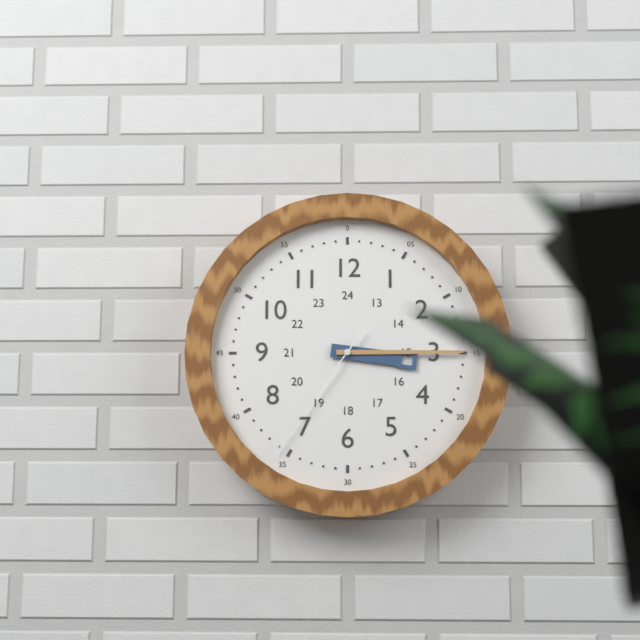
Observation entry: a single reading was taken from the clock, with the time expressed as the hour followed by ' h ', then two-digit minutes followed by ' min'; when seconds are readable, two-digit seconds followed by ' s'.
3 h 15 min 36 s
